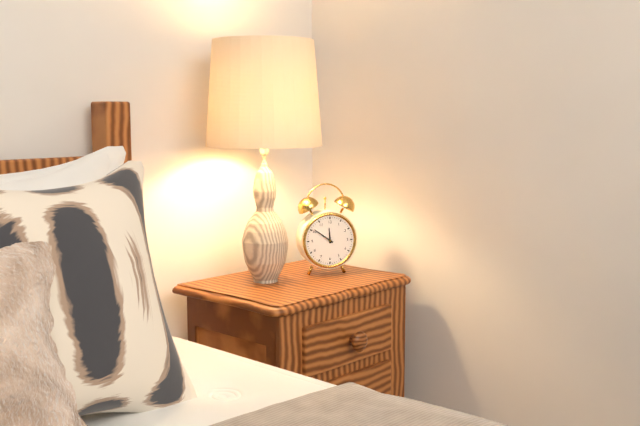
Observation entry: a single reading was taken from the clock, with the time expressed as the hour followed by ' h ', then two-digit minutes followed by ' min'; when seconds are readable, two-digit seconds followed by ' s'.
11 h 51 min
